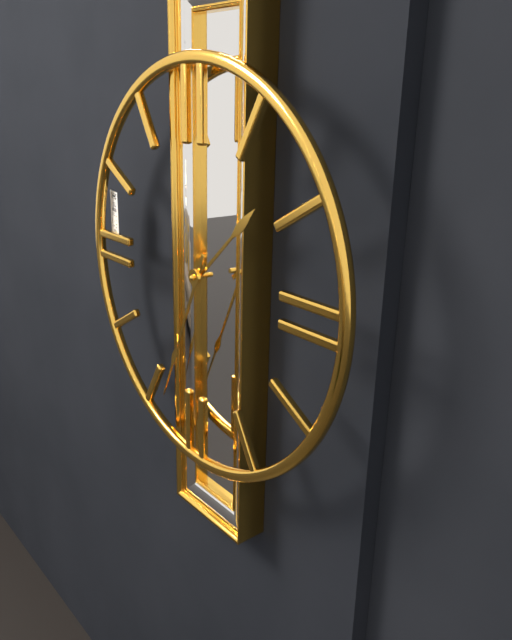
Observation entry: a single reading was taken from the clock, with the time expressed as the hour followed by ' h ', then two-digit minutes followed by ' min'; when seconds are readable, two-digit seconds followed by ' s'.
1 h 34 min
